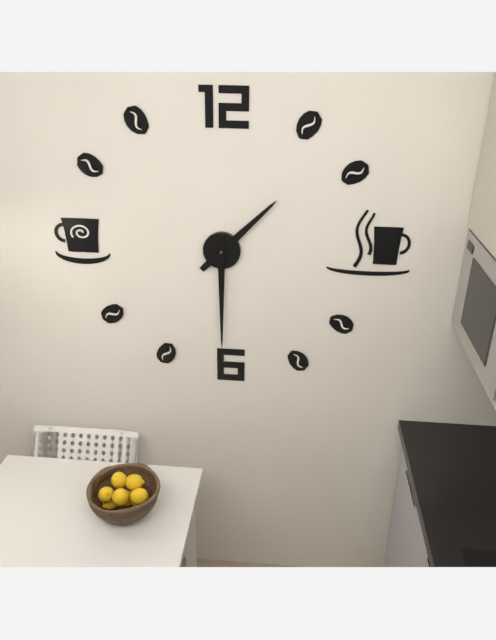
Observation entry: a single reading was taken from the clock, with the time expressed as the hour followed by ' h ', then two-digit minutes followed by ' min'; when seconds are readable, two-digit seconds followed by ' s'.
1 h 30 min
